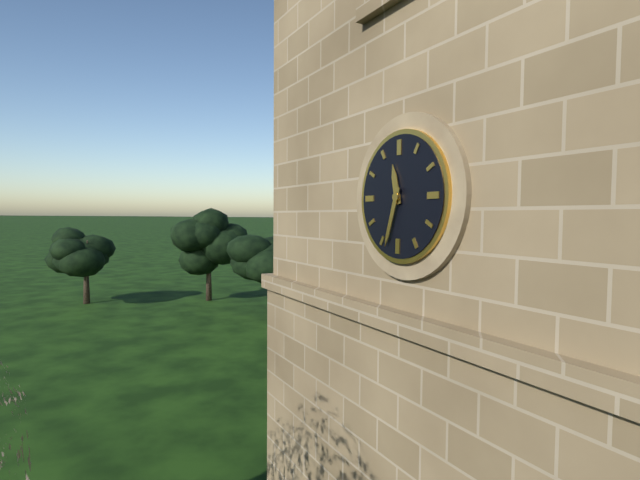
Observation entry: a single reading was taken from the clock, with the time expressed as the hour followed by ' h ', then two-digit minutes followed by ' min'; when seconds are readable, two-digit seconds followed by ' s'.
11 h 33 min
